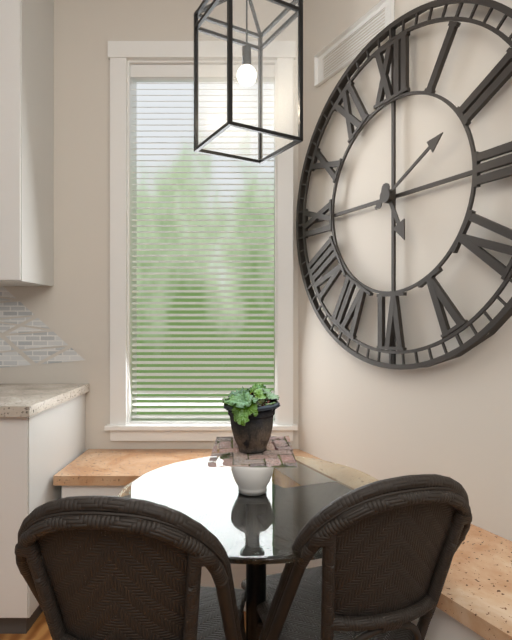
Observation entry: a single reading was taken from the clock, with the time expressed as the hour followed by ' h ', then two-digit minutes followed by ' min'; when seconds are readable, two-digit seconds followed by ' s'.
5 h 10 min
